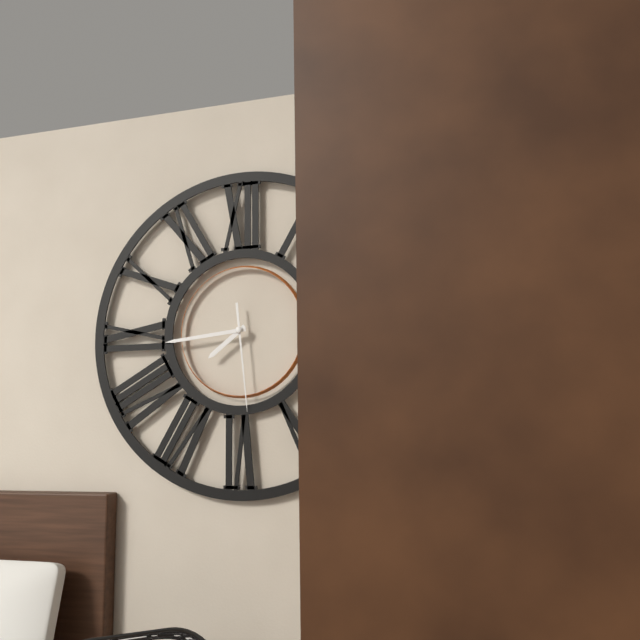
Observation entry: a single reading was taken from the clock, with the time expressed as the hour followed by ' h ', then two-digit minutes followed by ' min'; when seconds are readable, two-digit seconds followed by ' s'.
7 h 44 min 29 s
